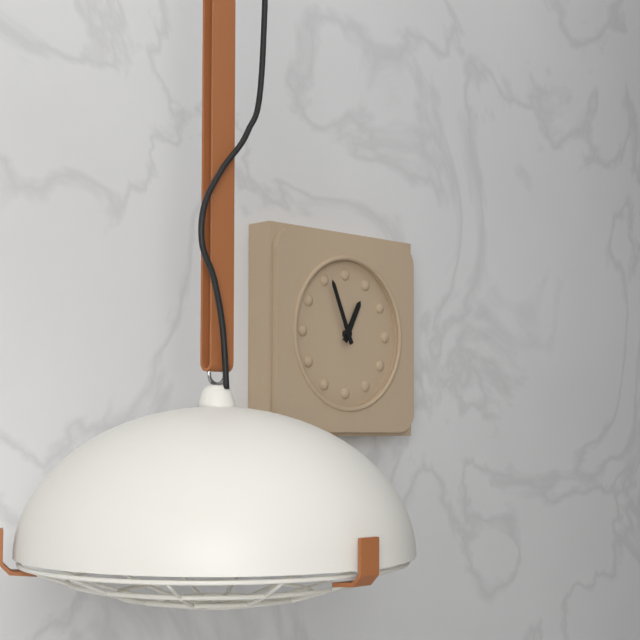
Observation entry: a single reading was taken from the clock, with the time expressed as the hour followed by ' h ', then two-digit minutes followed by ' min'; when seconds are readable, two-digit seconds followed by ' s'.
12 h 56 min
